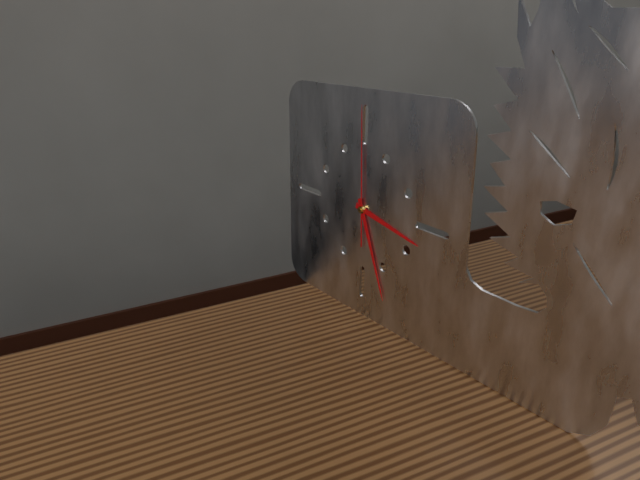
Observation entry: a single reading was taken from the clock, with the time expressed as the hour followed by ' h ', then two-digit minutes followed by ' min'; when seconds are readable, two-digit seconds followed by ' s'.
3 h 27 min 00 s
